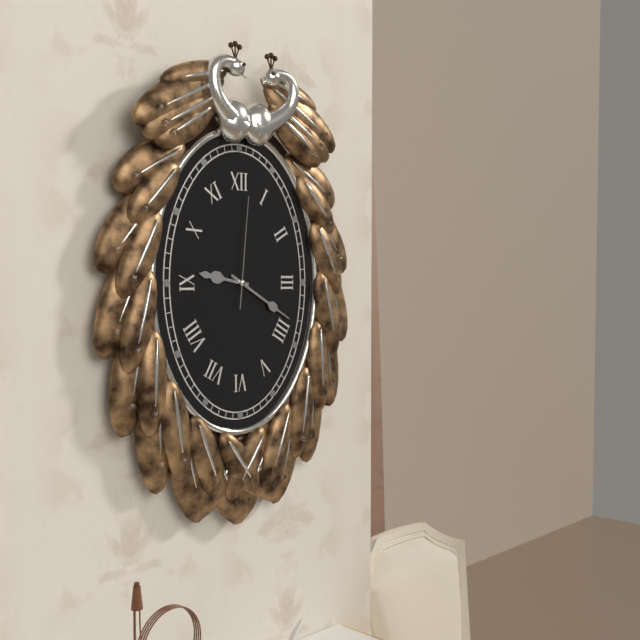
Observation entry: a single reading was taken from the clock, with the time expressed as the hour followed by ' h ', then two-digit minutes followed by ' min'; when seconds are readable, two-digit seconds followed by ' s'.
9 h 20 min 01 s
